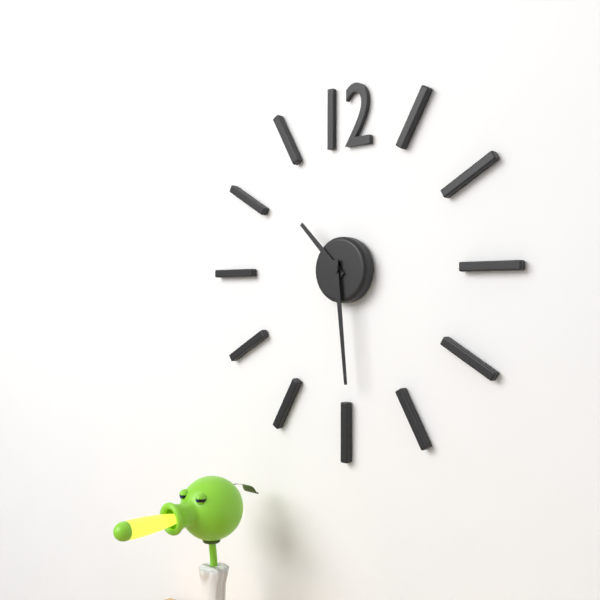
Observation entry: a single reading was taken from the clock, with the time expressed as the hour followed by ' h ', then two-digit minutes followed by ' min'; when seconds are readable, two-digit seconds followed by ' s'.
10 h 29 min
